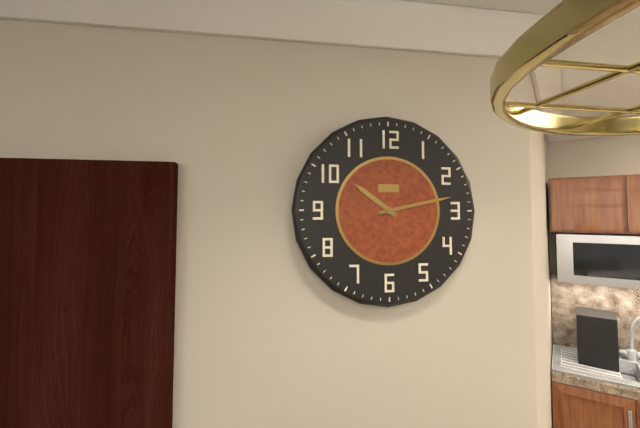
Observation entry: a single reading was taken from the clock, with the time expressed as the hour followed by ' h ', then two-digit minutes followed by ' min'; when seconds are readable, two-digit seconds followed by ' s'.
10 h 13 min
